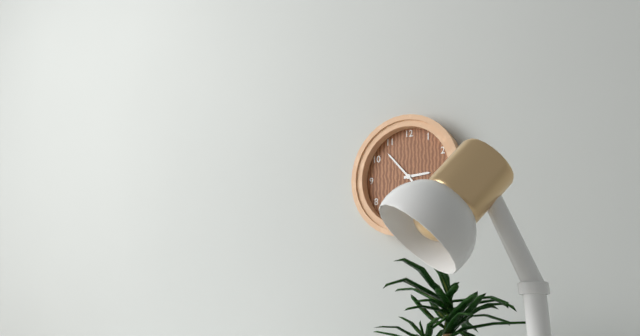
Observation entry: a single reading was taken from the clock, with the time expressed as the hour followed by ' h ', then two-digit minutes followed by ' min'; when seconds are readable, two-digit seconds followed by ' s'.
2 h 53 min
